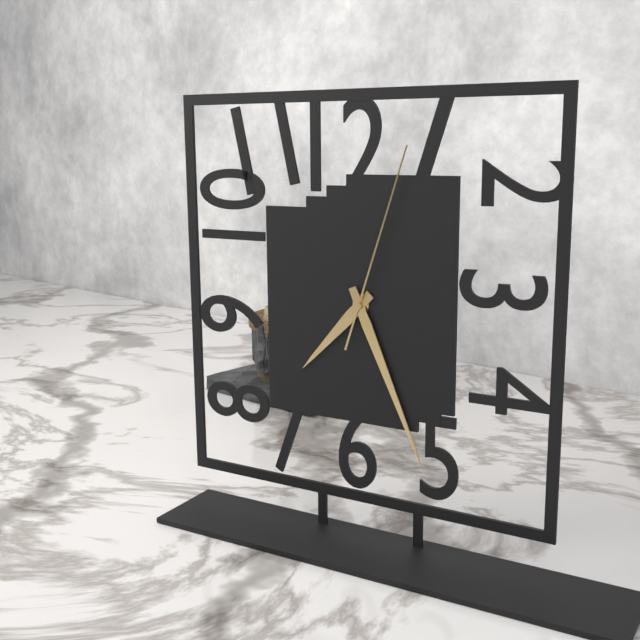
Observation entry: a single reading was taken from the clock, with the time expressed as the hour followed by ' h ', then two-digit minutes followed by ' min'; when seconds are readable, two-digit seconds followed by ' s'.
7 h 26 min 03 s
